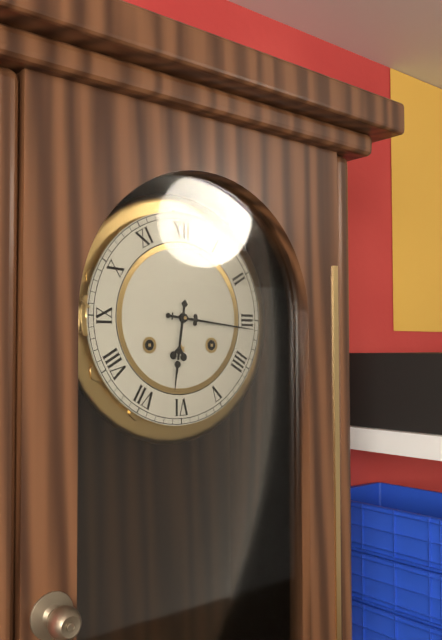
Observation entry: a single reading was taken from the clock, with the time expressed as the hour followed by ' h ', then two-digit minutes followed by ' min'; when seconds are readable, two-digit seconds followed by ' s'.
6 h 16 min
